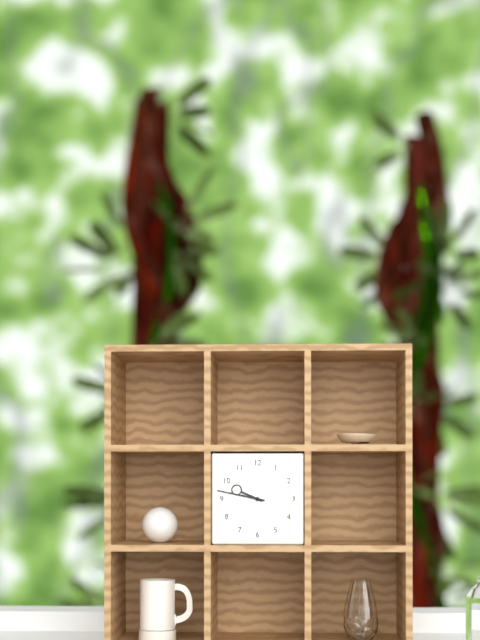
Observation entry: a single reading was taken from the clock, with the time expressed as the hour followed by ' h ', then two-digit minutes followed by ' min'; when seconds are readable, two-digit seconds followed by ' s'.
9 h 47 min
